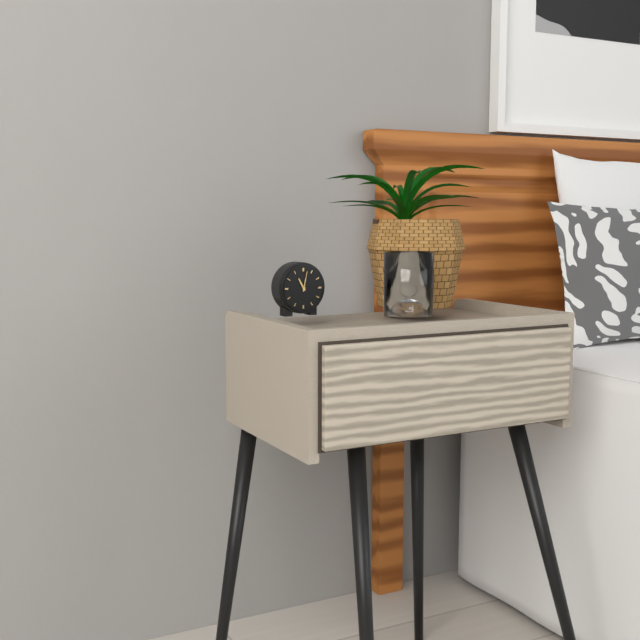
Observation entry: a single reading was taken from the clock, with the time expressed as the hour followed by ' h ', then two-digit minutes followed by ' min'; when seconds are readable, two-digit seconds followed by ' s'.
11 h 02 min
